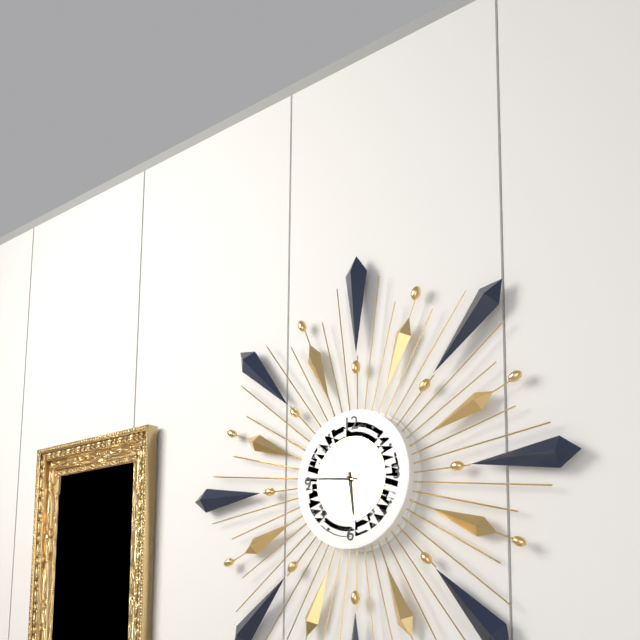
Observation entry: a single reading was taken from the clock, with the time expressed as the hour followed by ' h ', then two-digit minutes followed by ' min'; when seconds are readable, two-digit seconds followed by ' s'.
5 h 46 min
